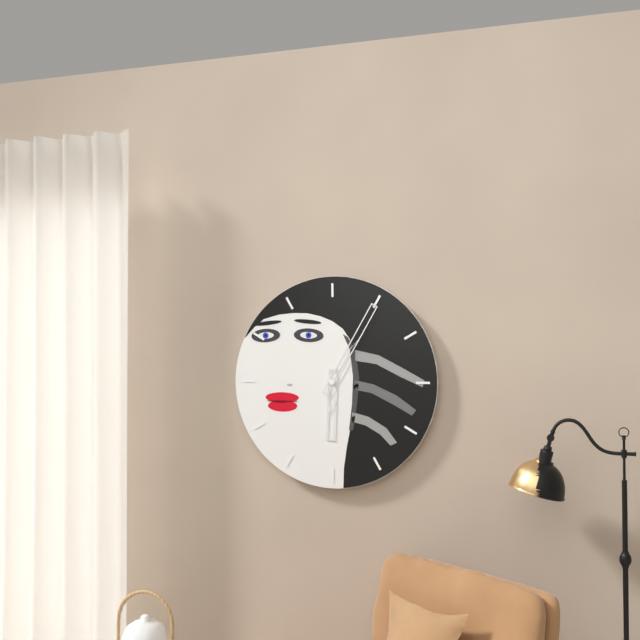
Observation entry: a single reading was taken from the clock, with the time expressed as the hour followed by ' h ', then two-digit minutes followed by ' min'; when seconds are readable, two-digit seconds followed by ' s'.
6 h 05 min
